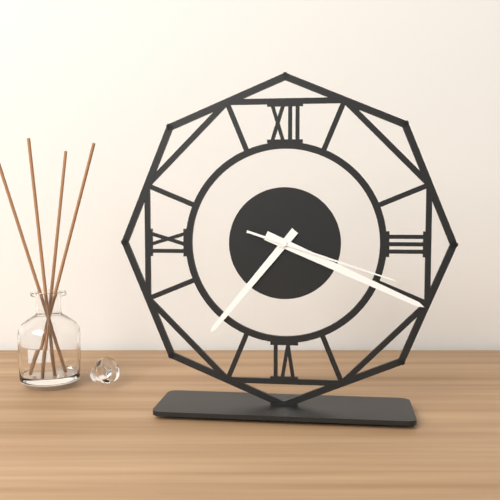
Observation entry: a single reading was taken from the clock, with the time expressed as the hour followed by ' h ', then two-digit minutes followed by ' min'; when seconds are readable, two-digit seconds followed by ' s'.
7 h 19 min 18 s
